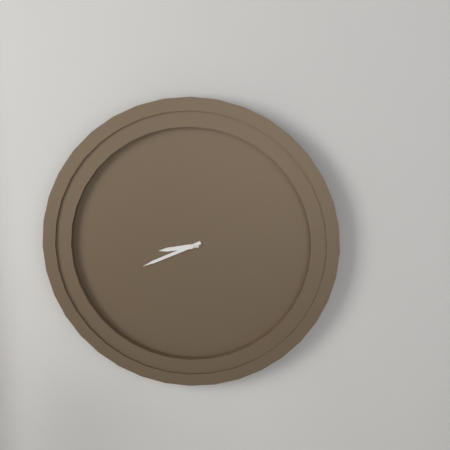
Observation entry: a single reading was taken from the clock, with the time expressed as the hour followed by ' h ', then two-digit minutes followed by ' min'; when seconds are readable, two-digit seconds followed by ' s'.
8 h 41 min
